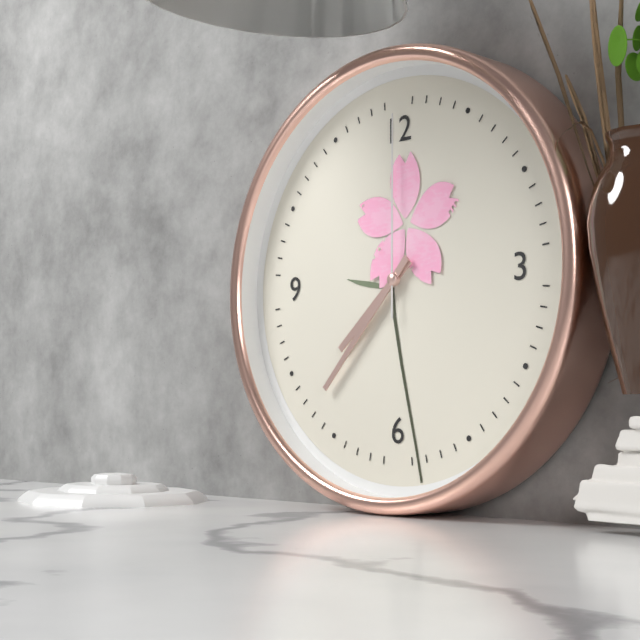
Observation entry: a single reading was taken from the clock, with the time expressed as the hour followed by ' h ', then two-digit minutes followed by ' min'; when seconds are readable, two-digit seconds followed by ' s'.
7 h 37 min 00 s
